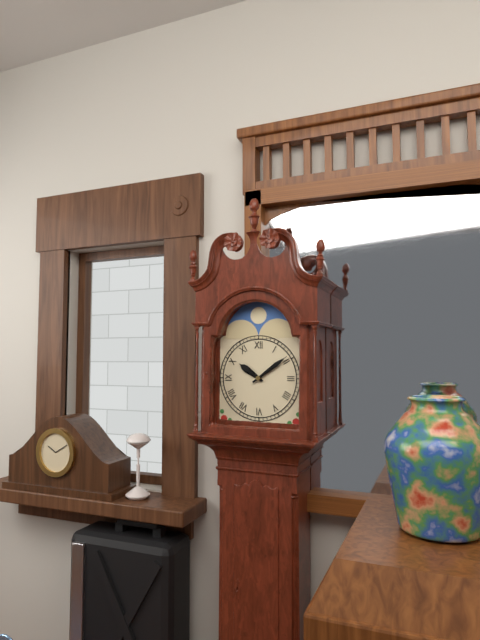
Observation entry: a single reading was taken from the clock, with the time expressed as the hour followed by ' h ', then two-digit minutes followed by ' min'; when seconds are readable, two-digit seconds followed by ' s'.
10 h 09 min
